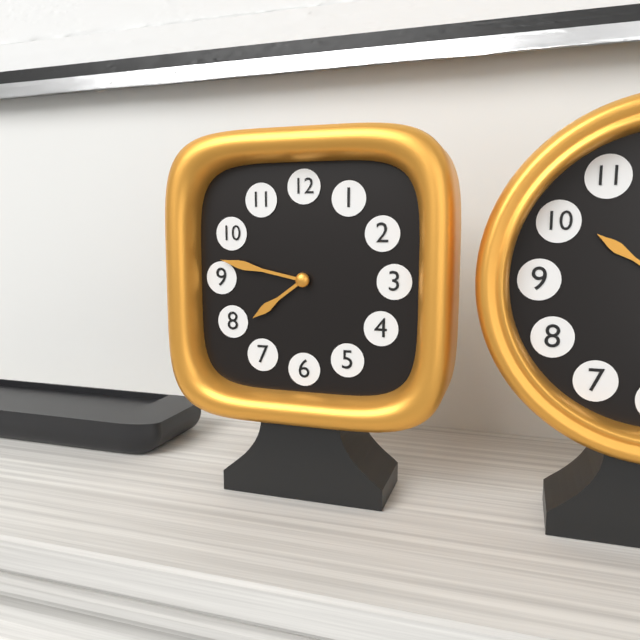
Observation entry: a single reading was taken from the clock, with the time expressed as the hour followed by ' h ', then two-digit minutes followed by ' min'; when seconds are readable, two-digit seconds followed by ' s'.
7 h 47 min
